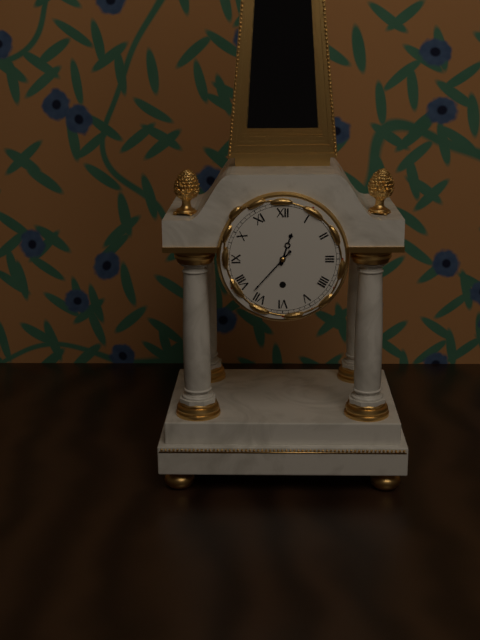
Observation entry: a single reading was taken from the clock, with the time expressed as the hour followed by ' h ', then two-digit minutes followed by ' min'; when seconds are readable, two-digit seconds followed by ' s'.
12 h 37 min
